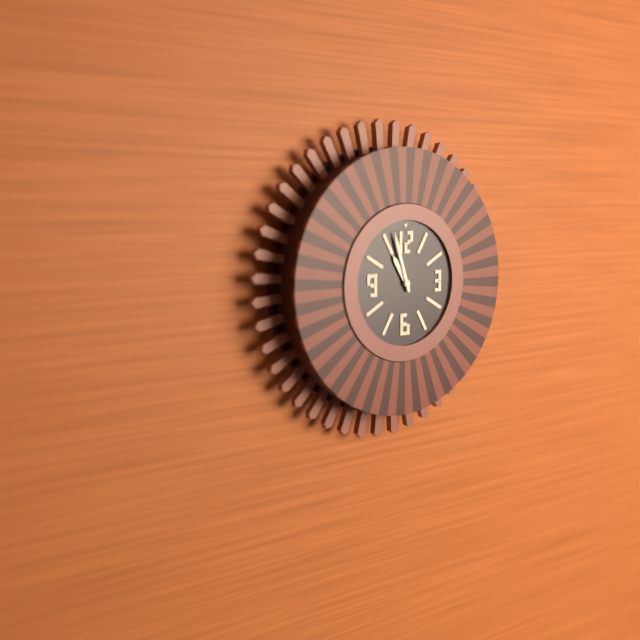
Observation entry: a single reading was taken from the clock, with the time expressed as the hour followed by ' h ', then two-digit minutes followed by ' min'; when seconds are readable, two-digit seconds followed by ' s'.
10 h 57 min
